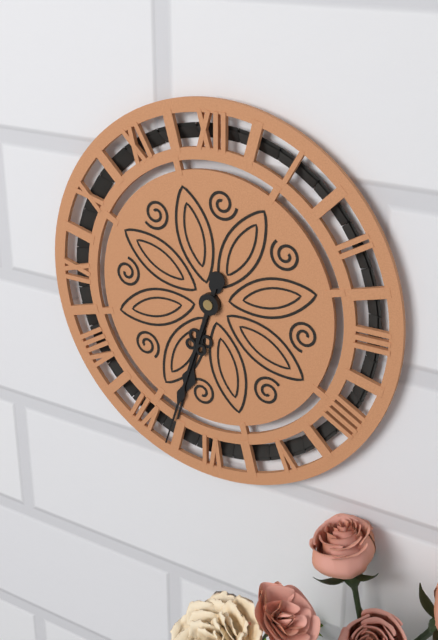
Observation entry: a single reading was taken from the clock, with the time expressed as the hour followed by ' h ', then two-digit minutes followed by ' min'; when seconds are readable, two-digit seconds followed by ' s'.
6 h 33 min
